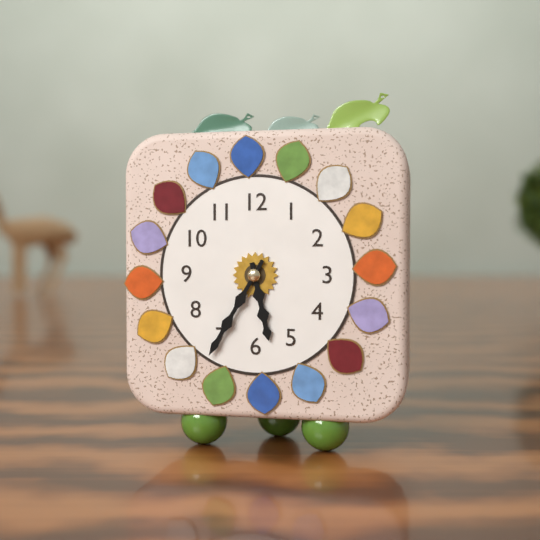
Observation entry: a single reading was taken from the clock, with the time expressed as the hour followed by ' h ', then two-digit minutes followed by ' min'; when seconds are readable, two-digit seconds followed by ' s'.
5 h 35 min
